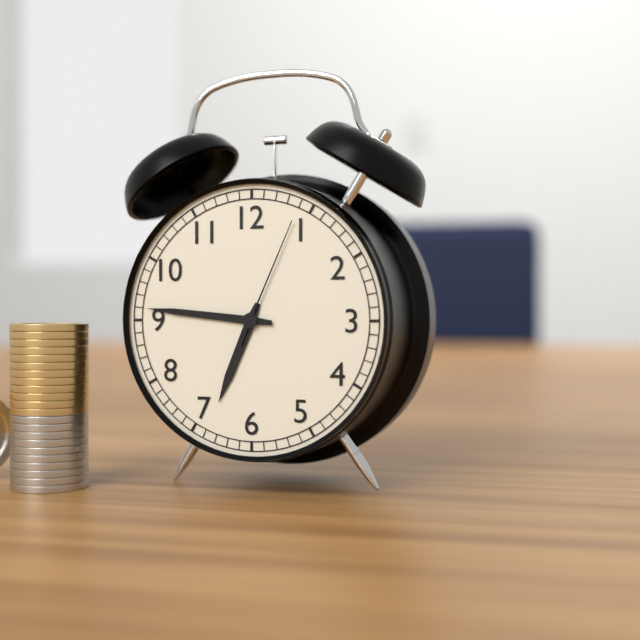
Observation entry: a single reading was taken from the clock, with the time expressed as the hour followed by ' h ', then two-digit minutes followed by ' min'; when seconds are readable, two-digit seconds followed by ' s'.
6 h 46 min 04 s
